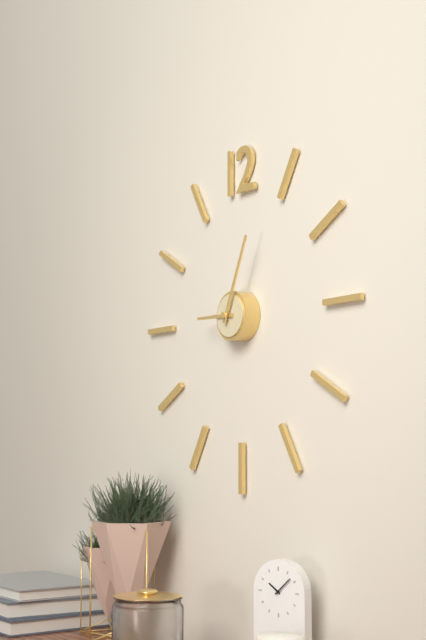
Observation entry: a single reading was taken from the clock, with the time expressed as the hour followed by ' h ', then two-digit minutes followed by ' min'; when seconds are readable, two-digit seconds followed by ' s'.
9 h 04 min
